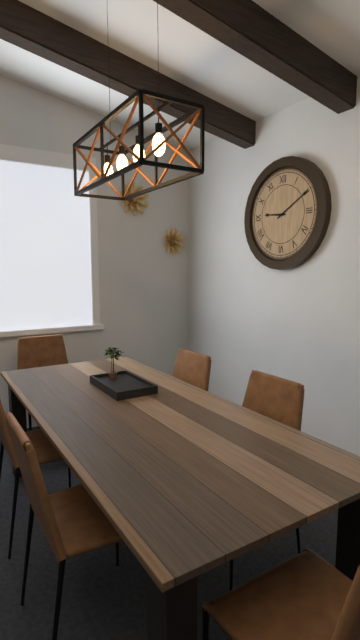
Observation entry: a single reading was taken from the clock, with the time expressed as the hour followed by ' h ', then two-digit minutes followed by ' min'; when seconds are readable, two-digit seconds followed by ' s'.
9 h 10 min
